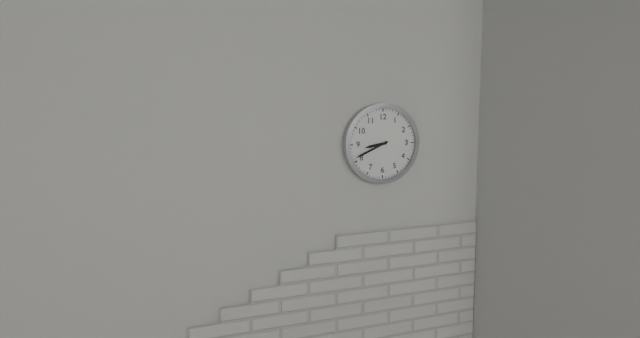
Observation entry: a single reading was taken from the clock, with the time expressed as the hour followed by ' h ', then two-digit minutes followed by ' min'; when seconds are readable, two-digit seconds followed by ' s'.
8 h 41 min
